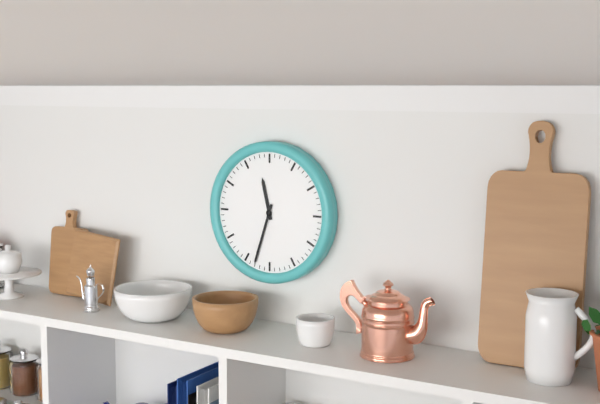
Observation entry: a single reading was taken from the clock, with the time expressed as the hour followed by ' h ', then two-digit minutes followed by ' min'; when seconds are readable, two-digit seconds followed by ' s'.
11 h 33 min
